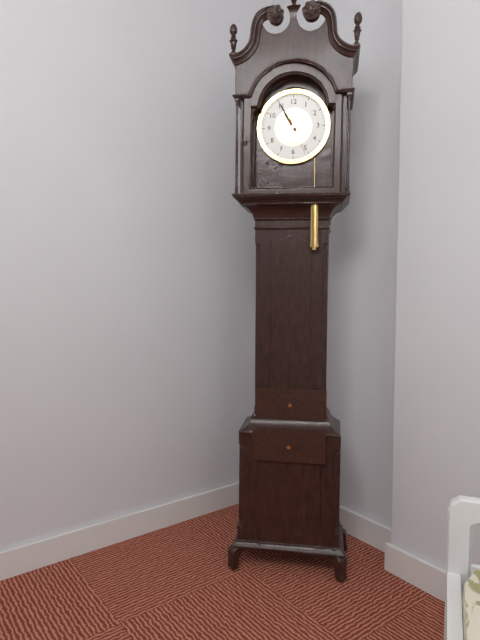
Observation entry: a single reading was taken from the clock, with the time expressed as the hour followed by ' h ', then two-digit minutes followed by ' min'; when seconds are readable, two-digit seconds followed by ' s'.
10 h 55 min
